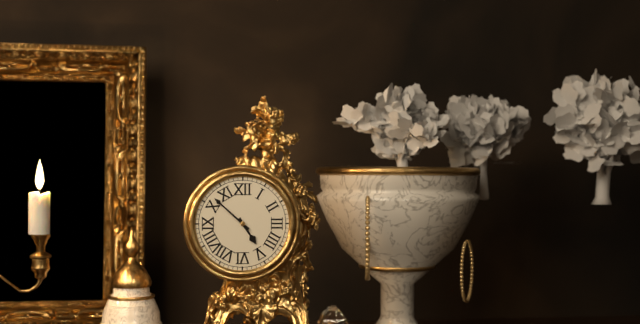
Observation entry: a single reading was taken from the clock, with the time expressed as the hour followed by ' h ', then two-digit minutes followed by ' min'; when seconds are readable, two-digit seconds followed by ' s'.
4 h 52 min
